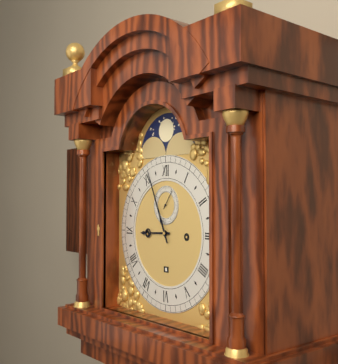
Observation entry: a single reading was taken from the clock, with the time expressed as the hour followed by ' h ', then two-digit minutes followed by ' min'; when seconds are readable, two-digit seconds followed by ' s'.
8 h 56 min
